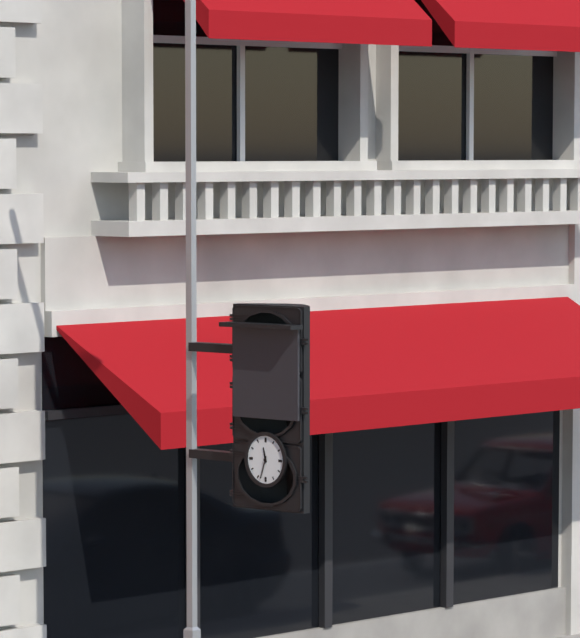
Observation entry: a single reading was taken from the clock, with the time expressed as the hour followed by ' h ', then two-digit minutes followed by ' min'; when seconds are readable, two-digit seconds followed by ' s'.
11 h 33 min
